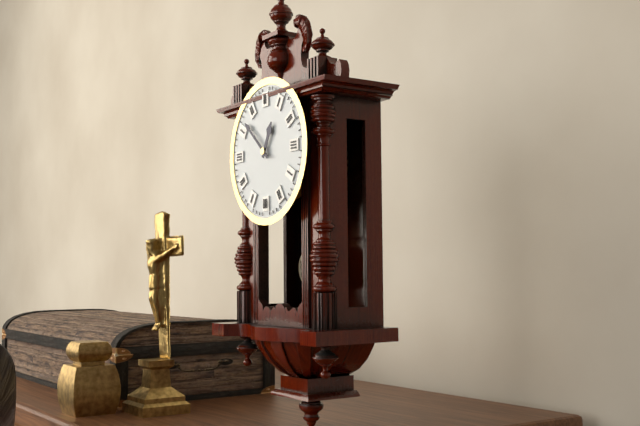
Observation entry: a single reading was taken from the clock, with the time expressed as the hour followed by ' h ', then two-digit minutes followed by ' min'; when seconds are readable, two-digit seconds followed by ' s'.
12 h 52 min
